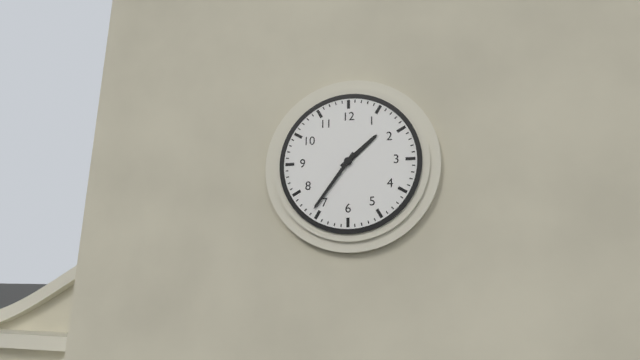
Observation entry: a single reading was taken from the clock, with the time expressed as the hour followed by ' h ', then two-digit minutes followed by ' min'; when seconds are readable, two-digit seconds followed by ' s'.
1 h 36 min
